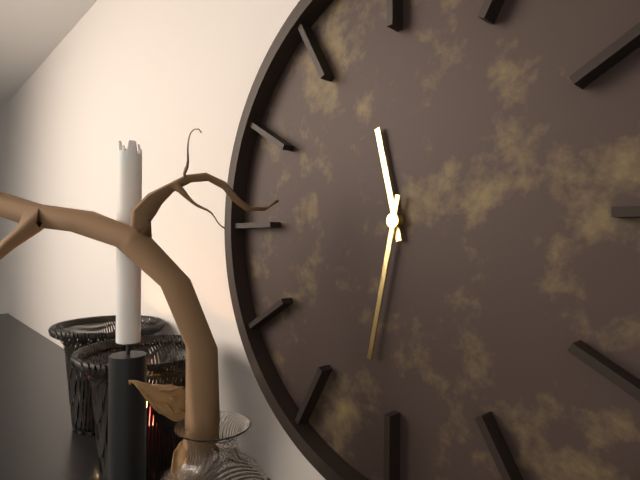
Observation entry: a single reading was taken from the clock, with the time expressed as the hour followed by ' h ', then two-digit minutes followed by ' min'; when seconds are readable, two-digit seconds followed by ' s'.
11 h 32 min
